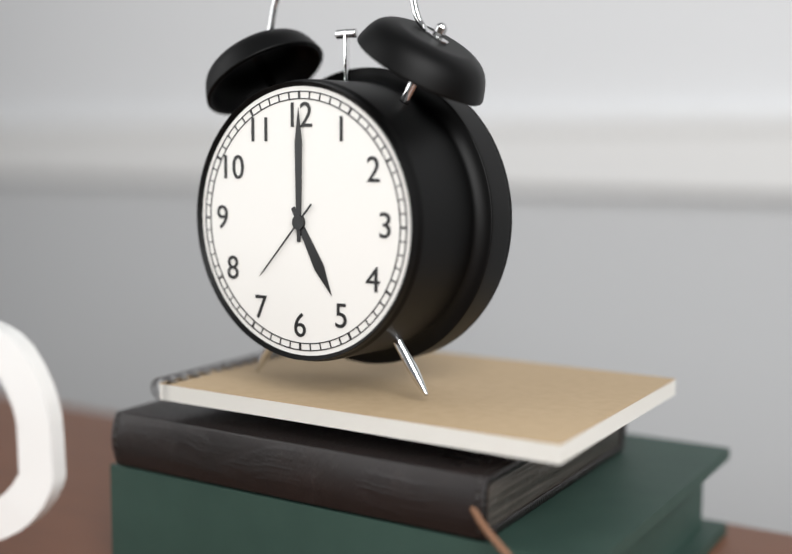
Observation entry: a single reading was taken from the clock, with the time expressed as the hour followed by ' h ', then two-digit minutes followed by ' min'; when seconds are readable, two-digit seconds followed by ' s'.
5 h 00 min 37 s
